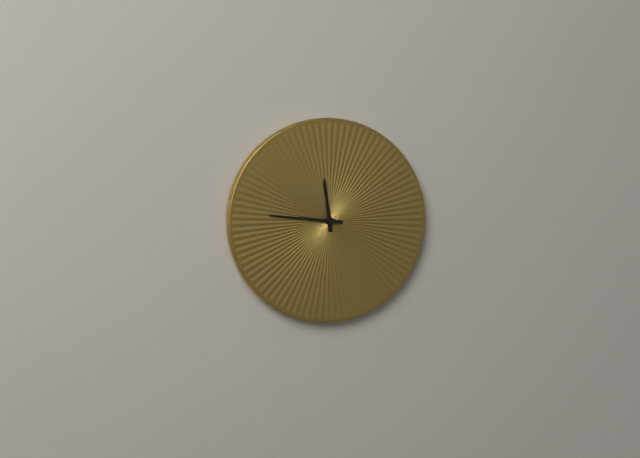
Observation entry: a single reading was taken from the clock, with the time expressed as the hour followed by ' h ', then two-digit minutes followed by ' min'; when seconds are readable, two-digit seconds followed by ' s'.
11 h 46 min
